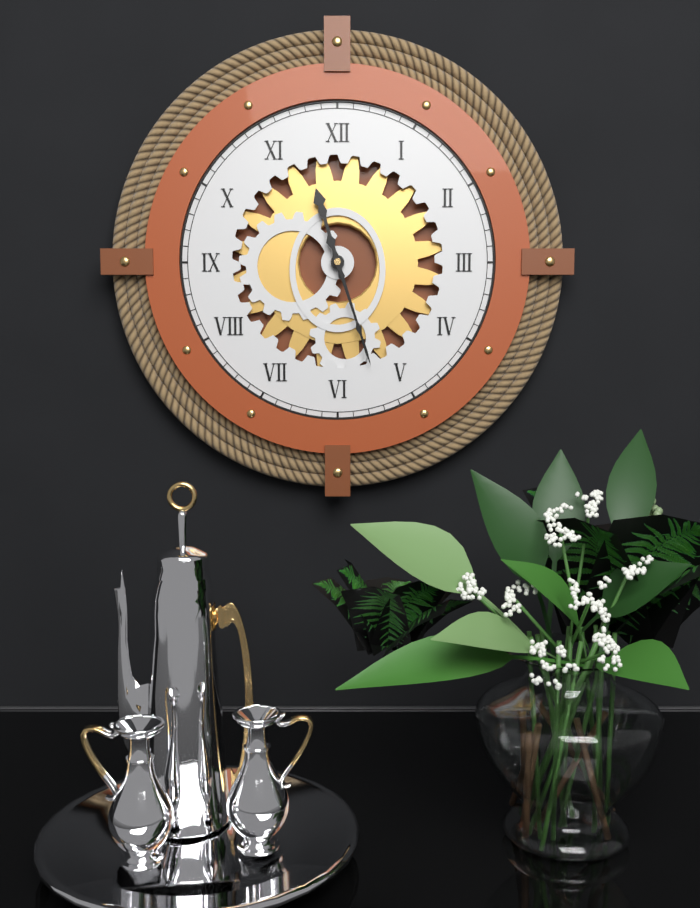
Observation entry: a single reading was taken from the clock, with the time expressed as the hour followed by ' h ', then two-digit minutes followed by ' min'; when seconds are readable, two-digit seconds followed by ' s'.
11 h 27 min
